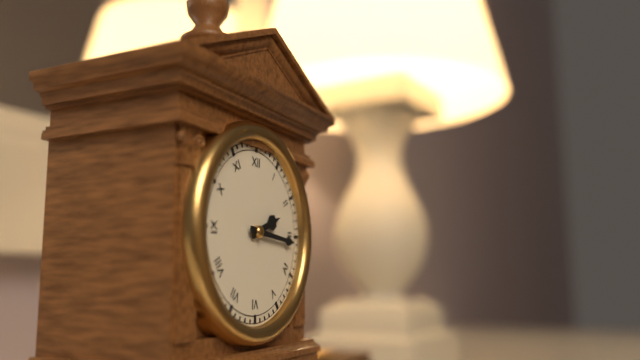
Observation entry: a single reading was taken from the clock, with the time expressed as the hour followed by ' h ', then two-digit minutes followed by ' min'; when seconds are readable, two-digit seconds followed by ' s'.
2 h 16 min
